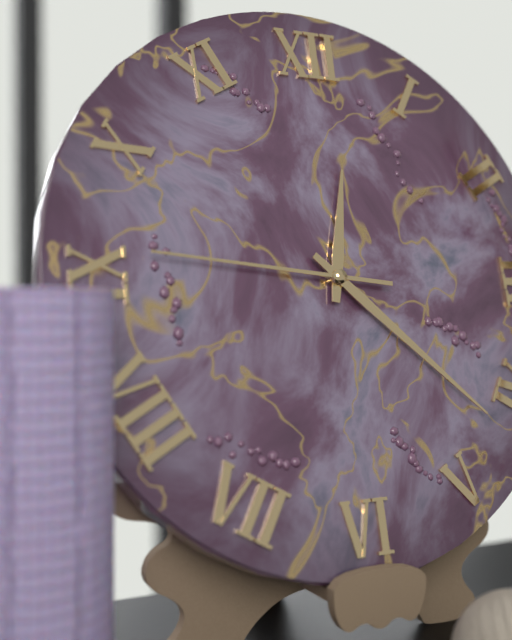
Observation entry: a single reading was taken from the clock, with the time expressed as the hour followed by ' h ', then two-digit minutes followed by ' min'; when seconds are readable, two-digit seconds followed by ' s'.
12 h 22 min 46 s
